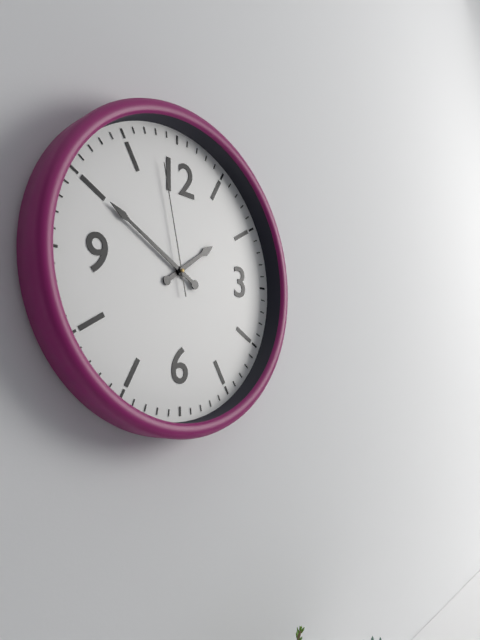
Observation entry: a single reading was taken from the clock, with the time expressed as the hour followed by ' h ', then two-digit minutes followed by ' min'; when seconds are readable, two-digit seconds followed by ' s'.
1 h 50 min 58 s
